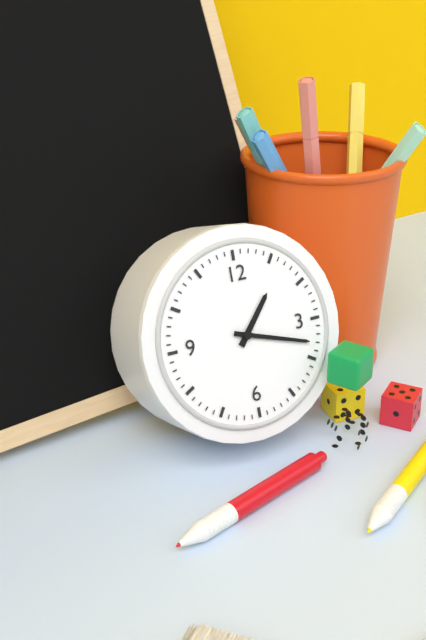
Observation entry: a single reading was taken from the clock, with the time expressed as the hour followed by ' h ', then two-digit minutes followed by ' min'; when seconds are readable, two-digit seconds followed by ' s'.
1 h 18 min
